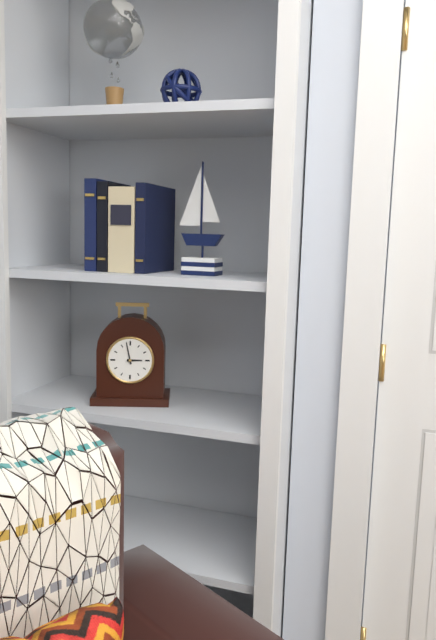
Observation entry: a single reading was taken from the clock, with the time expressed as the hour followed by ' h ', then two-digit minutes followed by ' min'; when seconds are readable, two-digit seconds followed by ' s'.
2 h 58 min
